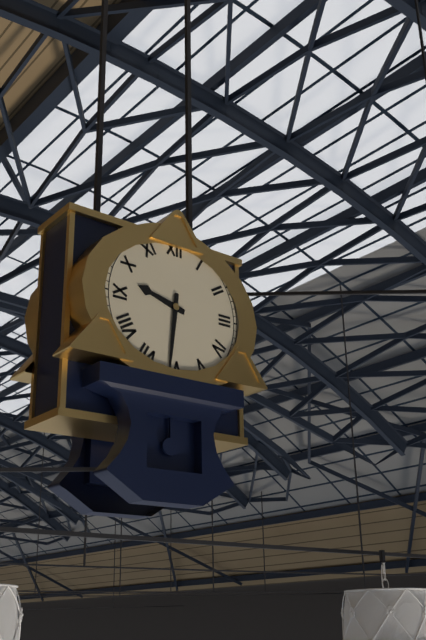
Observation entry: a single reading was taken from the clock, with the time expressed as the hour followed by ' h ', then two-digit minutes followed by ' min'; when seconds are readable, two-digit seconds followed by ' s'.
9 h 31 min
